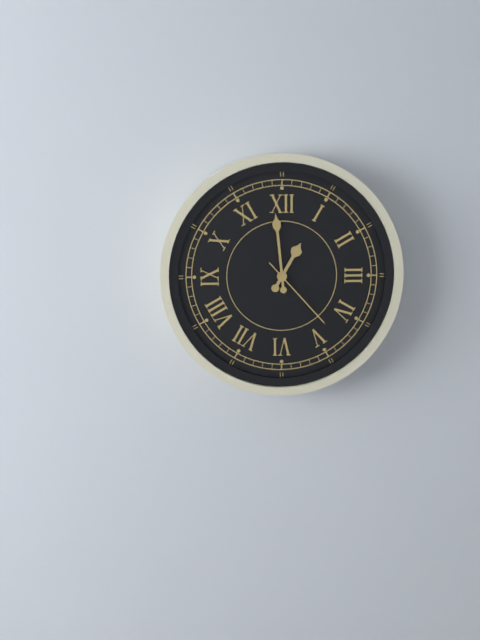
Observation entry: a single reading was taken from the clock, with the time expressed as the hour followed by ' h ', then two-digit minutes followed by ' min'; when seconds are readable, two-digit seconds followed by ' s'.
12 h 59 min 23 s
